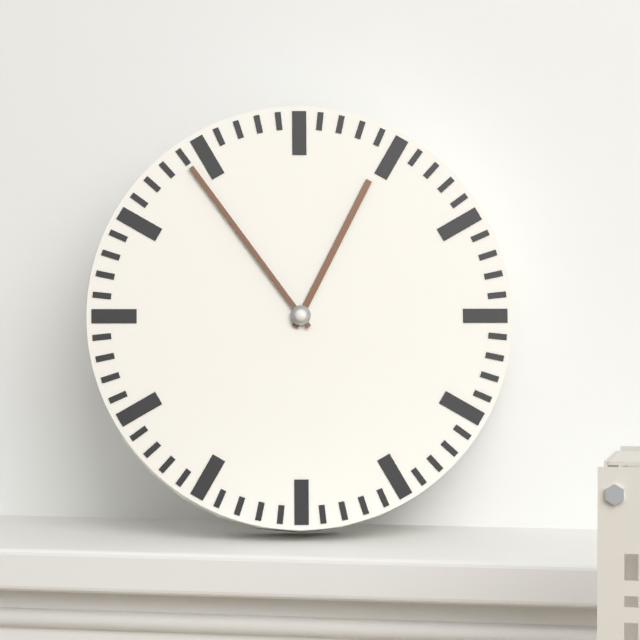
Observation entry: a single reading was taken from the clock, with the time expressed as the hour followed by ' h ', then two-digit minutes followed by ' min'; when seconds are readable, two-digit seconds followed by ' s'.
12 h 54 min
